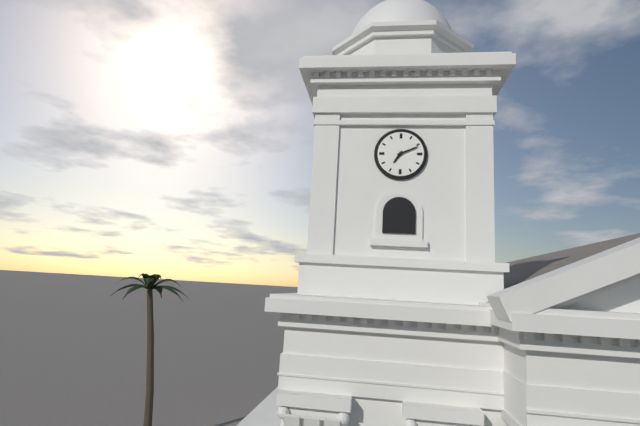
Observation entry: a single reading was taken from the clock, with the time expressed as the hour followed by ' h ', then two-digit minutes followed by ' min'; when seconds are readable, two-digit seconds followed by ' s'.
7 h 11 min
